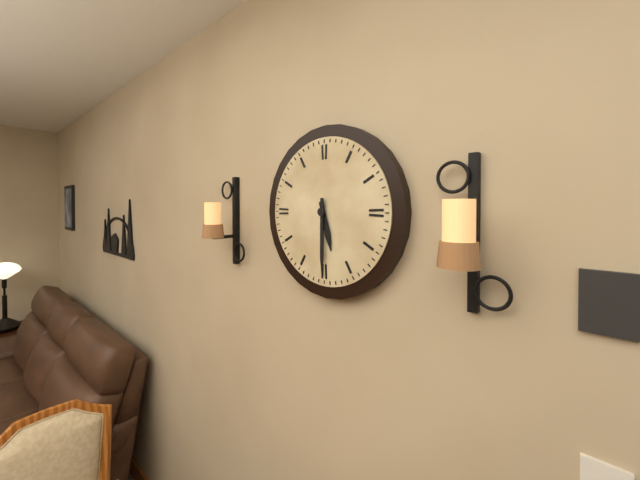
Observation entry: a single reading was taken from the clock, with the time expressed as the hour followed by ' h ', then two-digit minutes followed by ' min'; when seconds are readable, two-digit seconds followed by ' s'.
5 h 30 min
